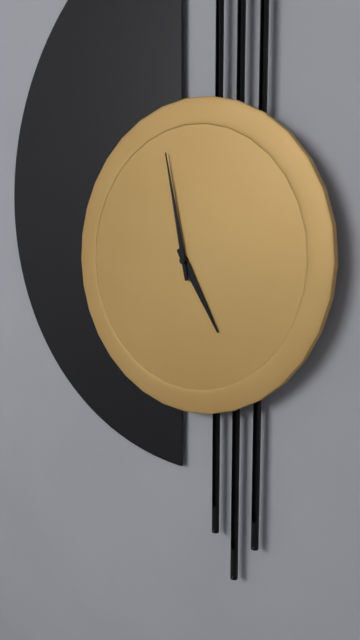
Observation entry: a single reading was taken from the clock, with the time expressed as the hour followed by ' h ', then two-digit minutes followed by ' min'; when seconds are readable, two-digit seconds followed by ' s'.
4 h 58 min
